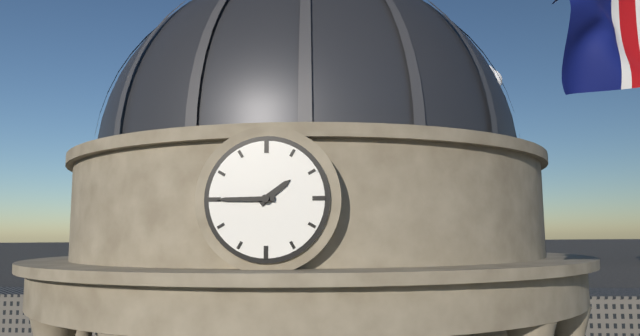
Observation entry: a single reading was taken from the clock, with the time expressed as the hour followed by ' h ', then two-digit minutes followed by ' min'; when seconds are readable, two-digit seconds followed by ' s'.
1 h 45 min
